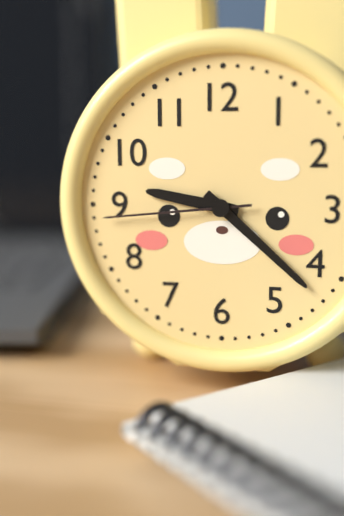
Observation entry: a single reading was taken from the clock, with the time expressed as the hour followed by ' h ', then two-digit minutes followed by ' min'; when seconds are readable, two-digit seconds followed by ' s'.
9 h 22 min 44 s
